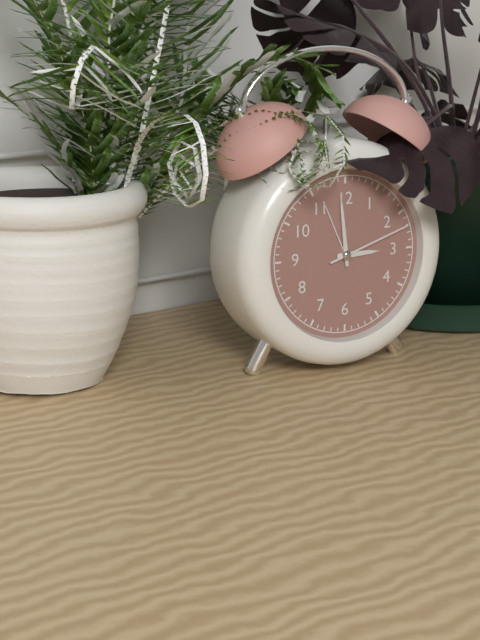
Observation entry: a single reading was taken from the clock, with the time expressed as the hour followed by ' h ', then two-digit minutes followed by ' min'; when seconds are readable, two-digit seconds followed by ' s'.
2 h 59 min 12 s
